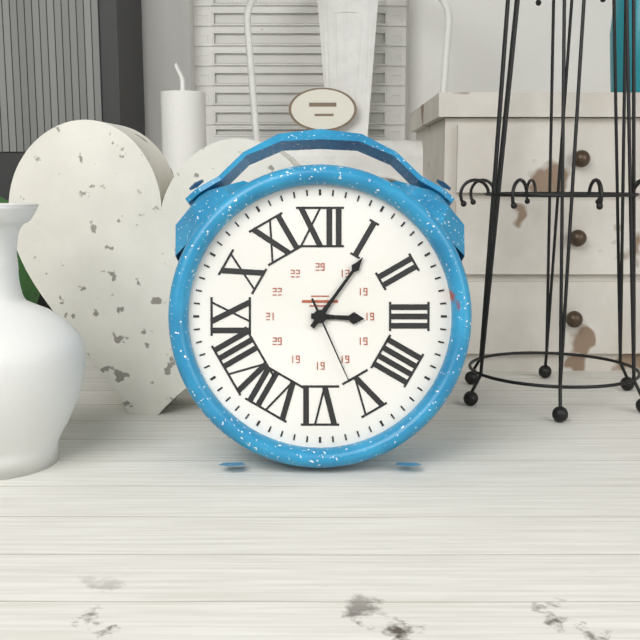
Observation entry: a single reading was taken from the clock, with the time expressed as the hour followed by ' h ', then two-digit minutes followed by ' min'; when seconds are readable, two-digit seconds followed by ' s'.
3 h 06 min 26 s
